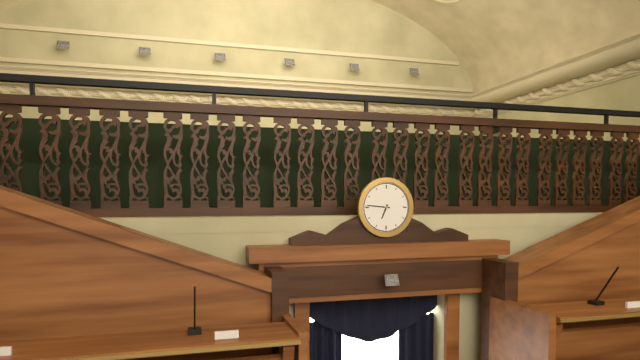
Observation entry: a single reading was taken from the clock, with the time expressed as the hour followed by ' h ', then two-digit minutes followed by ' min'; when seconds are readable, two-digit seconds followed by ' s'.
6 h 46 min
